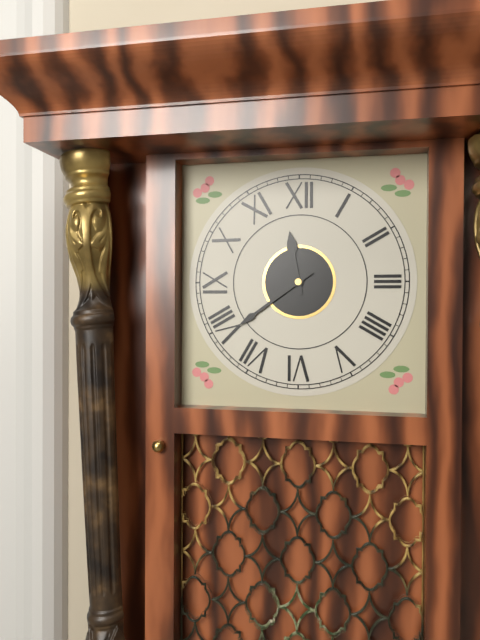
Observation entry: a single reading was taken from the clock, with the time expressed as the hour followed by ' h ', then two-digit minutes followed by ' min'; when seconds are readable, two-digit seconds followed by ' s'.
11 h 39 min
